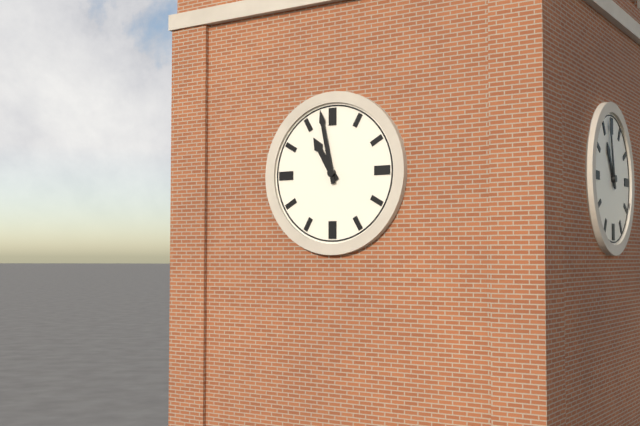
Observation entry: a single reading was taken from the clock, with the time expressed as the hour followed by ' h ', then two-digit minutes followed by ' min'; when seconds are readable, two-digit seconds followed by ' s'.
10 h 58 min
